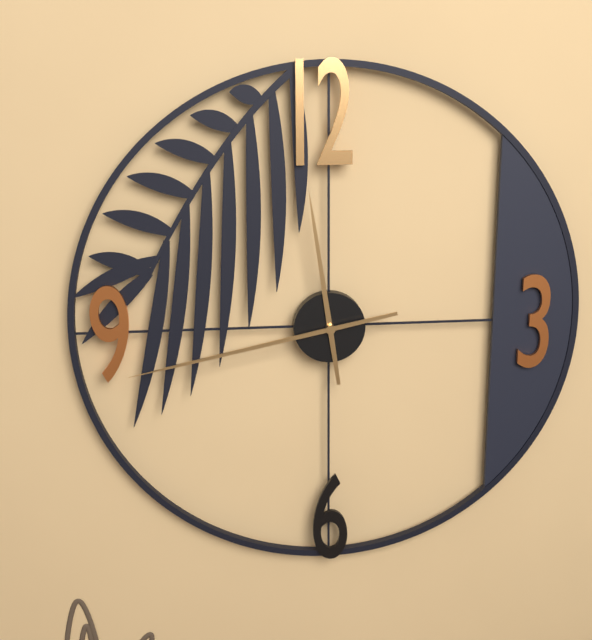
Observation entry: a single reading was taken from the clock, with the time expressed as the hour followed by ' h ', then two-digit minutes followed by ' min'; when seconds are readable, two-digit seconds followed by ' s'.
11 h 43 min
